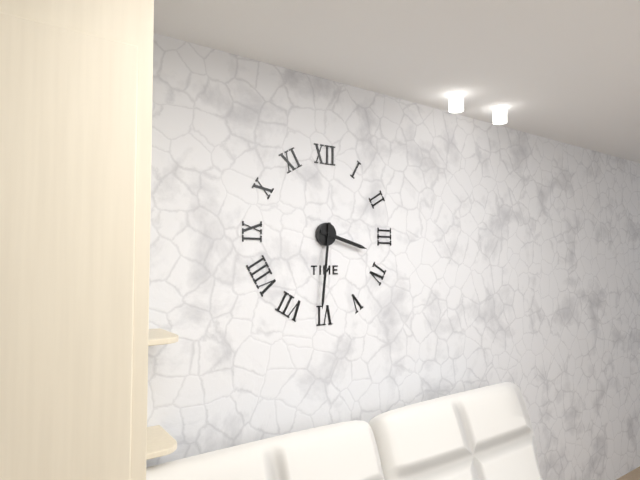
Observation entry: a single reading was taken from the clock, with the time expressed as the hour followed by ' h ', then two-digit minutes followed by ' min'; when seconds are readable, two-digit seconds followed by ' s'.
3 h 31 min
